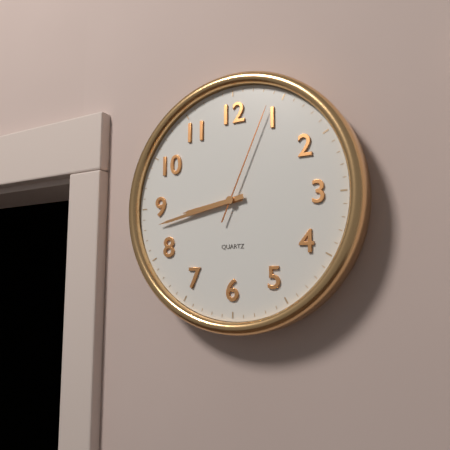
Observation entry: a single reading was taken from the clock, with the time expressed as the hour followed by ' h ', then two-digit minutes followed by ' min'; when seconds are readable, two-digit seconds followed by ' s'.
8 h 43 min 04 s
